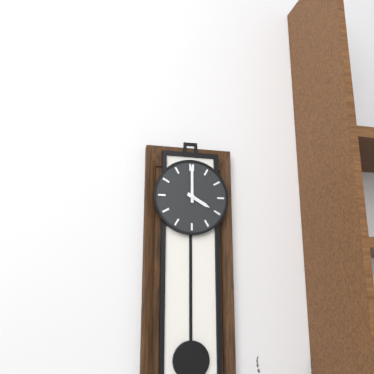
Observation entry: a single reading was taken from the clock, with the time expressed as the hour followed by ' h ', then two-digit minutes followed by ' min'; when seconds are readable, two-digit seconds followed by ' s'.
4 h 00 min
